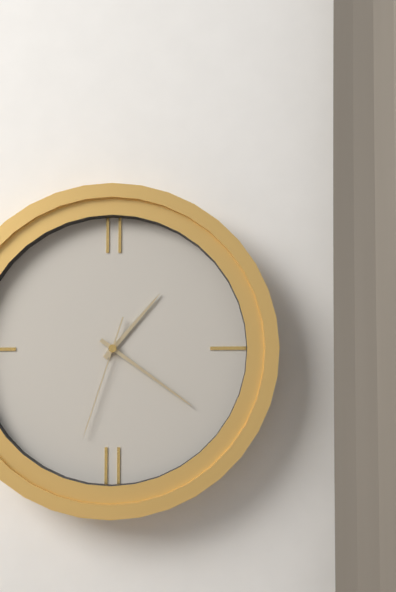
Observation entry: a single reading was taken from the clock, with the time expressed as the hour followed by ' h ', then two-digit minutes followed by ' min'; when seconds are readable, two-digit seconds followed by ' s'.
1 h 21 min 33 s
